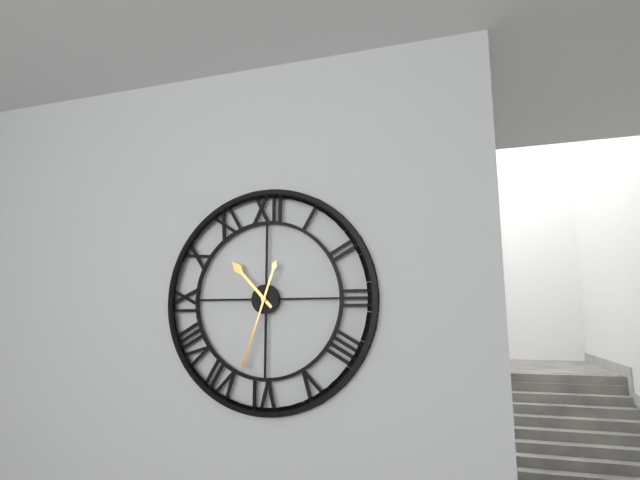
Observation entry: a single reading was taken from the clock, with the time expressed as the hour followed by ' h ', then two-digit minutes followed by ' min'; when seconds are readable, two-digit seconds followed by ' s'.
10 h 33 min
